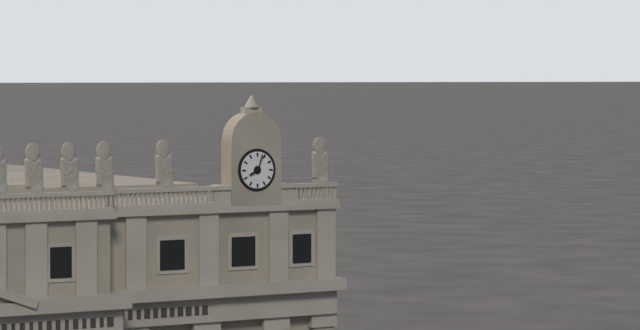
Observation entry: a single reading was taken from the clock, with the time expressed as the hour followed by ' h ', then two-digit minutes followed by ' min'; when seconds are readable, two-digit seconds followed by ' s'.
8 h 03 min
